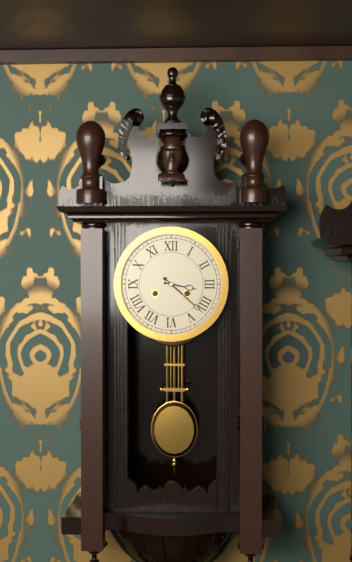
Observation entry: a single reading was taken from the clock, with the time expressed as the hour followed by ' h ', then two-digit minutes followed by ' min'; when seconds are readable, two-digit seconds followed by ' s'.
3 h 22 min
